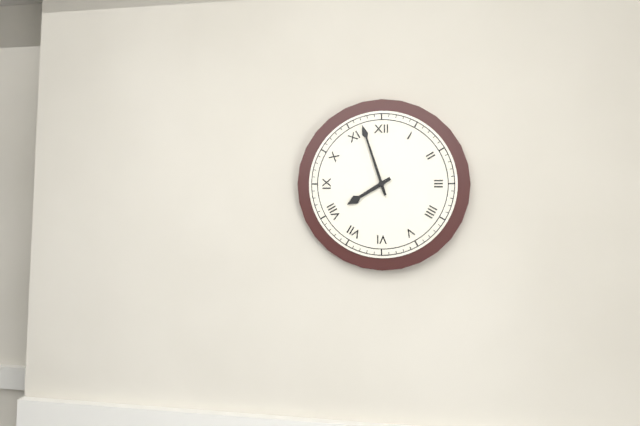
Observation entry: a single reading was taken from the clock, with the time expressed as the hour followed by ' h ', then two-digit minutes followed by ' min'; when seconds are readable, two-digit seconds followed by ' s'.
7 h 57 min
